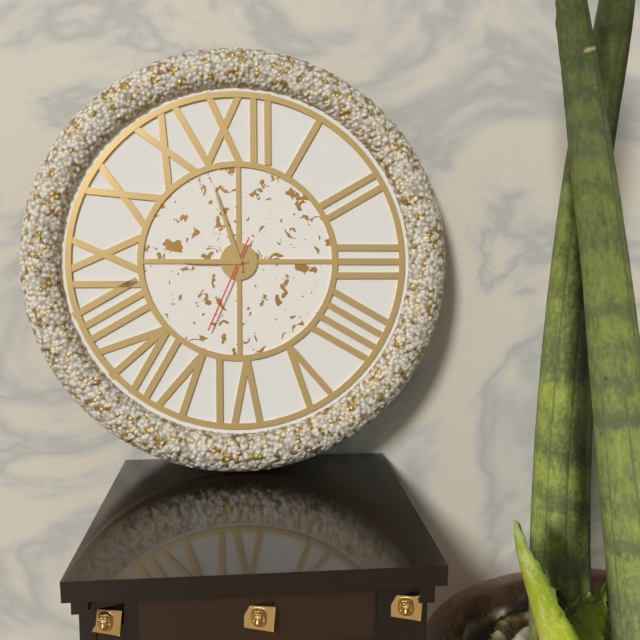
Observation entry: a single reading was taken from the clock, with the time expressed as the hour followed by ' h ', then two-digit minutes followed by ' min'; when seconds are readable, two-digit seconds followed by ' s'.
8 h 57 min 34 s
